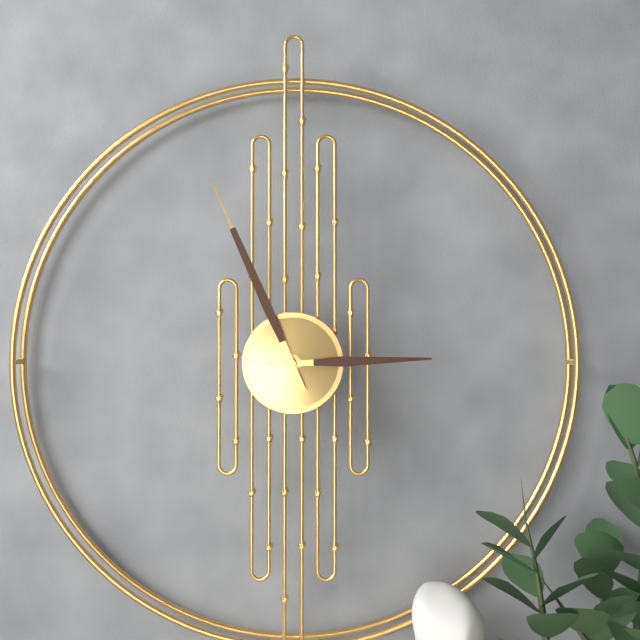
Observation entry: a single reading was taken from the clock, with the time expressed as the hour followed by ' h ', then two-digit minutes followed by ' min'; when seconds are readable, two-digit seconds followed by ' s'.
2 h 56 min
